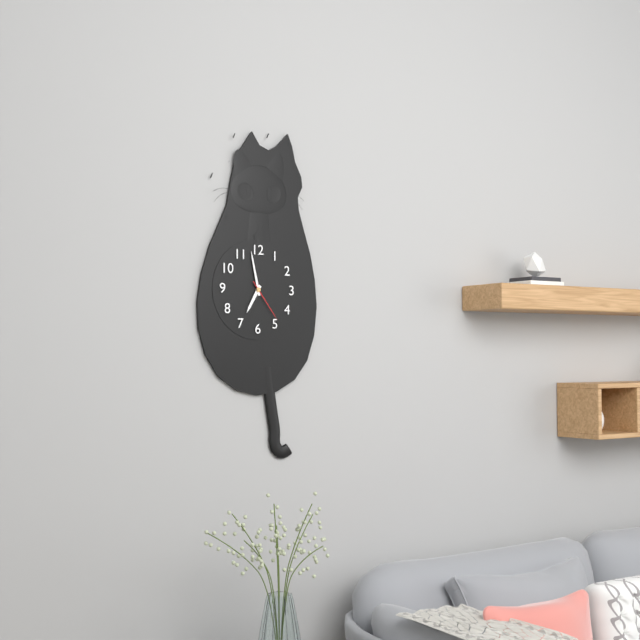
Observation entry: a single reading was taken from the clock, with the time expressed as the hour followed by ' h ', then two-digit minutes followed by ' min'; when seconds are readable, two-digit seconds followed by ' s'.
6 h 58 min
